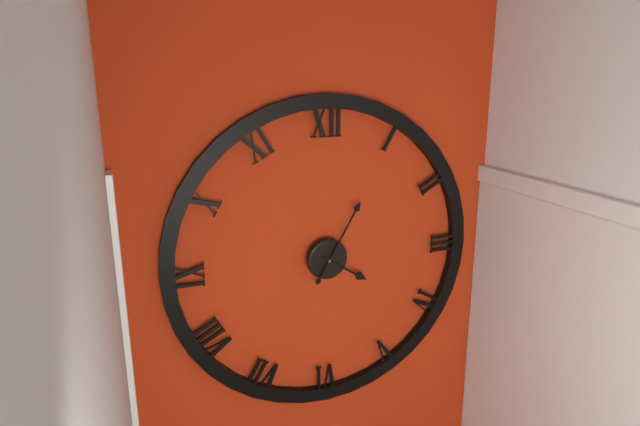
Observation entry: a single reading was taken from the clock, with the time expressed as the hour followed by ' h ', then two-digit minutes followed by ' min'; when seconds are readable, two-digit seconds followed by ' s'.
4 h 05 min
